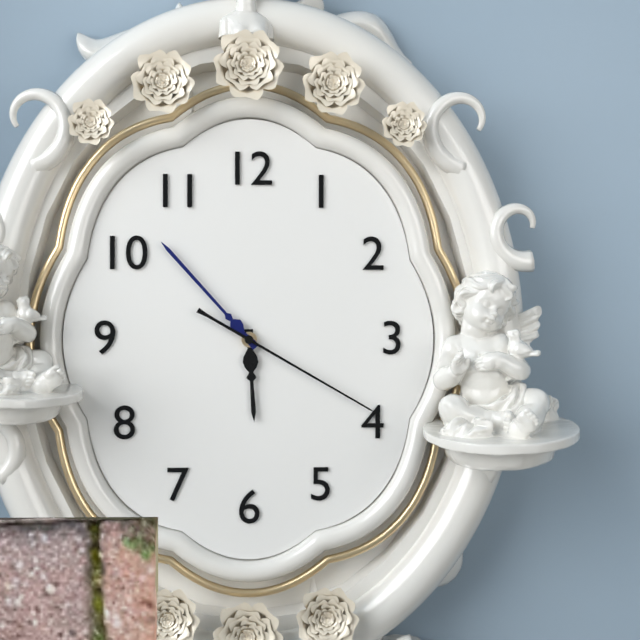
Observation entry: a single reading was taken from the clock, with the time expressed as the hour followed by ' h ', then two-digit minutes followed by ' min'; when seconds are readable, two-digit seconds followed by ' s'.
5 h 53 min 20 s
